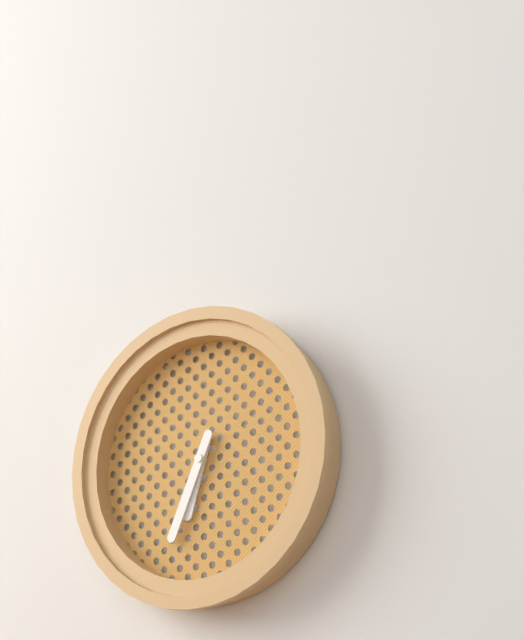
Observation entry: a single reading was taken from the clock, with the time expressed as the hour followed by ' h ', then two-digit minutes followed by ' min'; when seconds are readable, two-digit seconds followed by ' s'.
6 h 34 min
